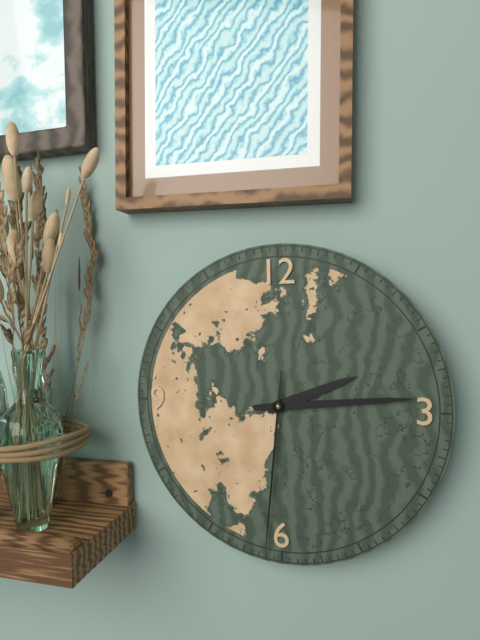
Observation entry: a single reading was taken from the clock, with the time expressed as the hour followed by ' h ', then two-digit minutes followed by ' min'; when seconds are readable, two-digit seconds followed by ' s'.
2 h 14 min 31 s
